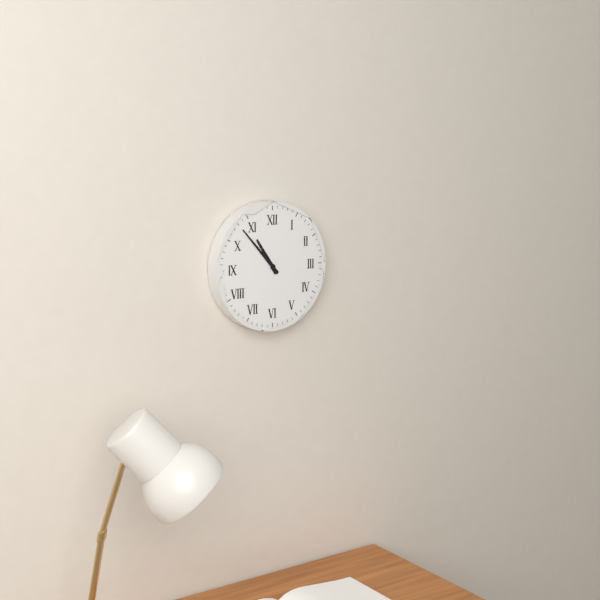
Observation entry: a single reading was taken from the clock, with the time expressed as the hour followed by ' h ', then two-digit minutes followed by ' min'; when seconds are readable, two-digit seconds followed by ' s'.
10 h 53 min
